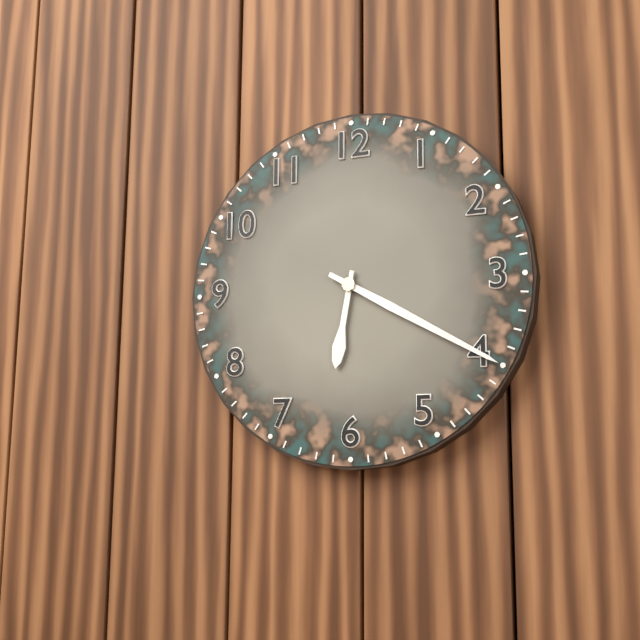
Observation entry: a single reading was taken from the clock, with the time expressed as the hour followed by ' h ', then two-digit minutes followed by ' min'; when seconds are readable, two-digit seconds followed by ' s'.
6 h 20 min
